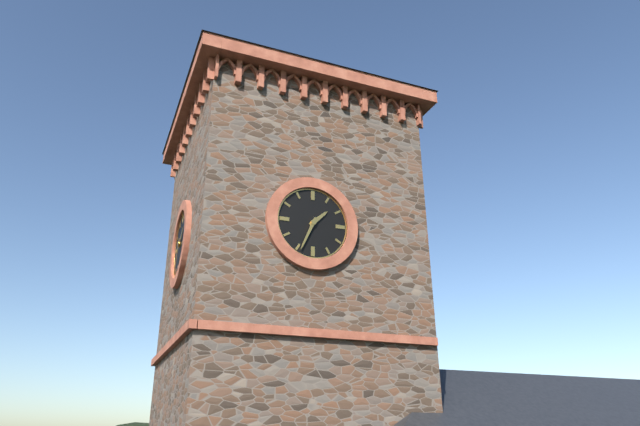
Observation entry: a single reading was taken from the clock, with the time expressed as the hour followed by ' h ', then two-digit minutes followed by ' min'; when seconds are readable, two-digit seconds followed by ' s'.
1 h 34 min
